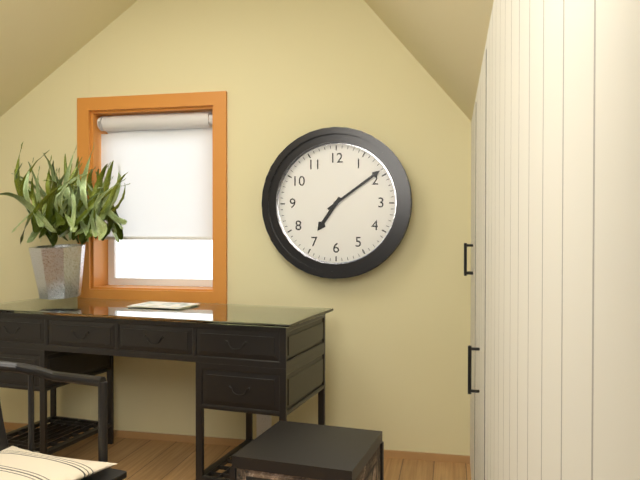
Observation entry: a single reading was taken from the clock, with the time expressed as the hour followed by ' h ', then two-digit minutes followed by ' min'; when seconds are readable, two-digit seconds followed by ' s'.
7 h 09 min
